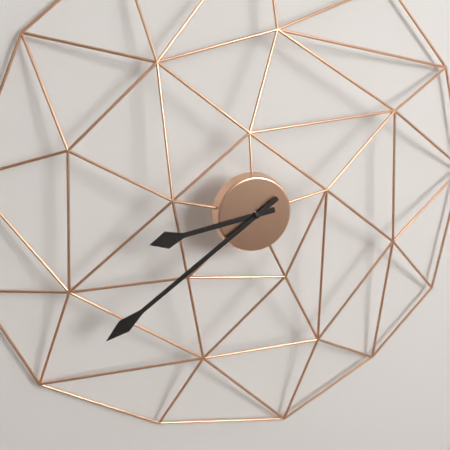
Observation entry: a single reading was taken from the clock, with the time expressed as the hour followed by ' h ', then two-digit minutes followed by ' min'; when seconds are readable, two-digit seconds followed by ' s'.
8 h 39 min
